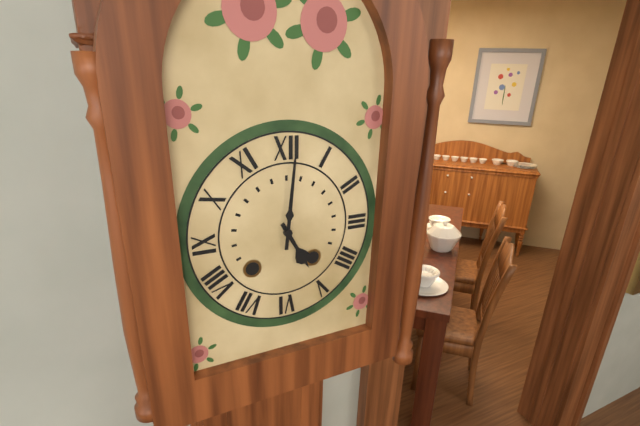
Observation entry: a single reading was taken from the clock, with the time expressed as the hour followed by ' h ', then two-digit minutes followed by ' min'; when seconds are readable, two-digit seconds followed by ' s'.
5 h 01 min
